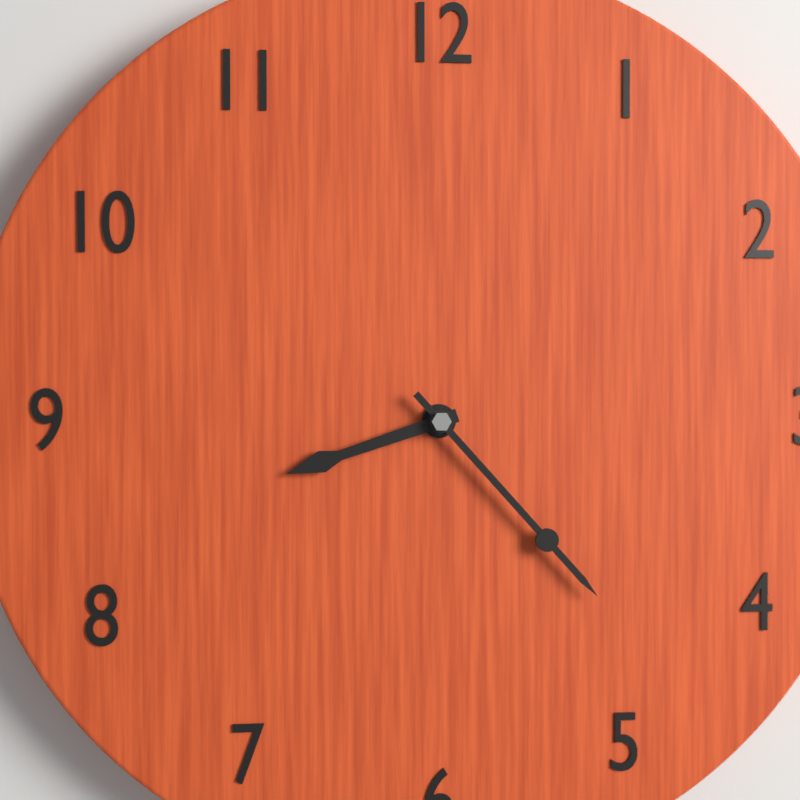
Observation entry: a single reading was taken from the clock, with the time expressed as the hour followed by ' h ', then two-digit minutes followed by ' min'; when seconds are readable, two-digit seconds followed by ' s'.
8 h 23 min
